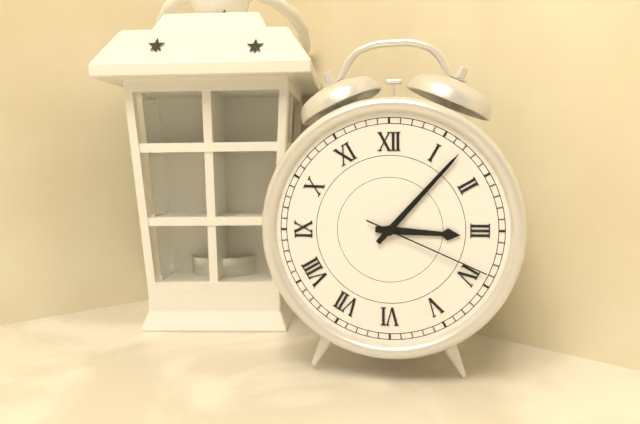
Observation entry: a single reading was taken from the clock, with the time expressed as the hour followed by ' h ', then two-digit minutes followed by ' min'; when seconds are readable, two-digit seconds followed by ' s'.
3 h 07 min 19 s
